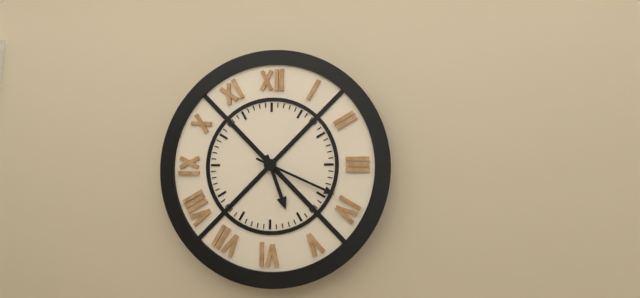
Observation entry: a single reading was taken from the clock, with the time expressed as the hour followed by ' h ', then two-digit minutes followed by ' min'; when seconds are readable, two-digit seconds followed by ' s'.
5 h 19 min
